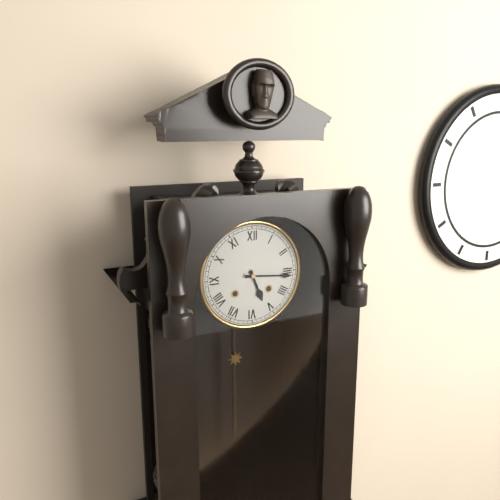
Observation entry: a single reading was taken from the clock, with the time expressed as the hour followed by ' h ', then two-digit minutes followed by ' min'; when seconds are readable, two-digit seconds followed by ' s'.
5 h 16 min
